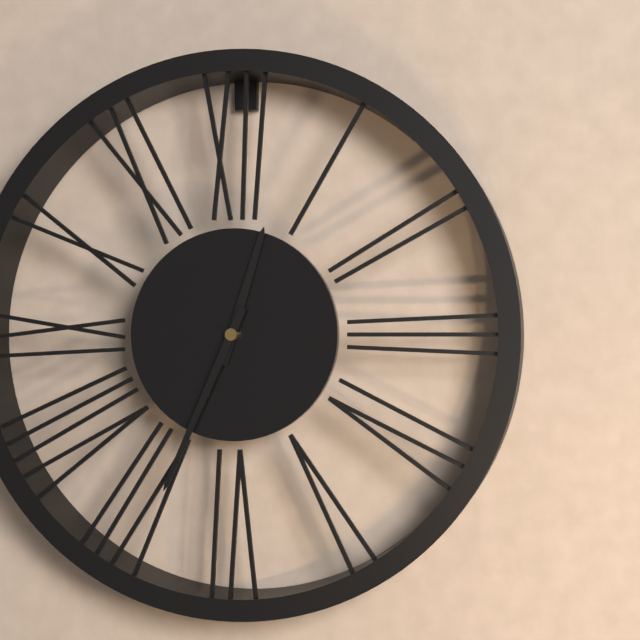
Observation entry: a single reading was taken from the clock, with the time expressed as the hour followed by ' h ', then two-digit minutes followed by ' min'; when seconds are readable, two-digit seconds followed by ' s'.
12 h 34 min
